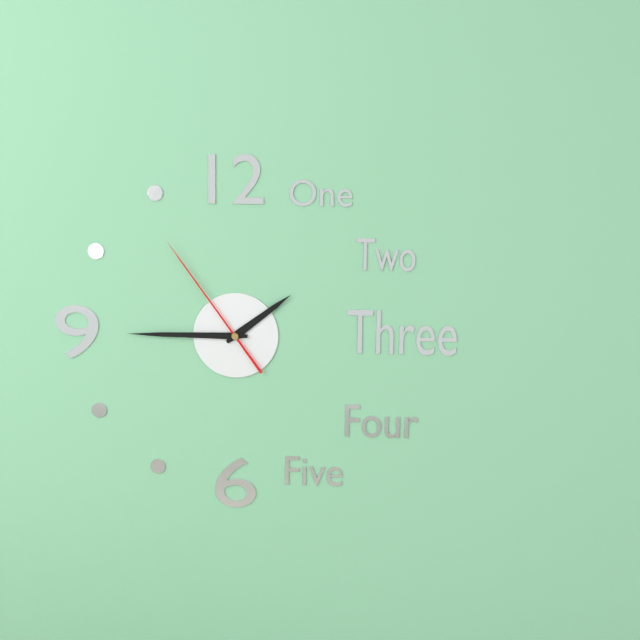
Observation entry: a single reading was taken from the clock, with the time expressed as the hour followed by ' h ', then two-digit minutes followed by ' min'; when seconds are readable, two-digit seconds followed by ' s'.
1 h 45 min 54 s
